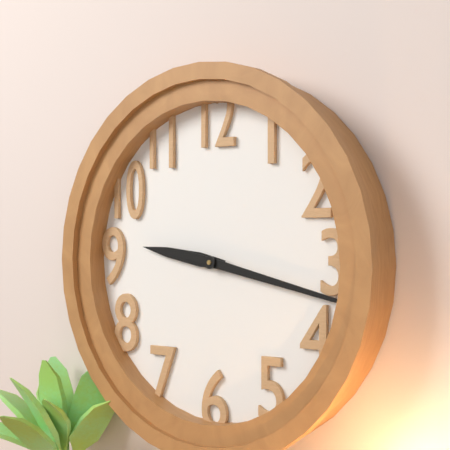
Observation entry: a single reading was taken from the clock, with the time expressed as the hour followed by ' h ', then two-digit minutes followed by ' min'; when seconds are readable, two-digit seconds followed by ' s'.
9 h 17 min
